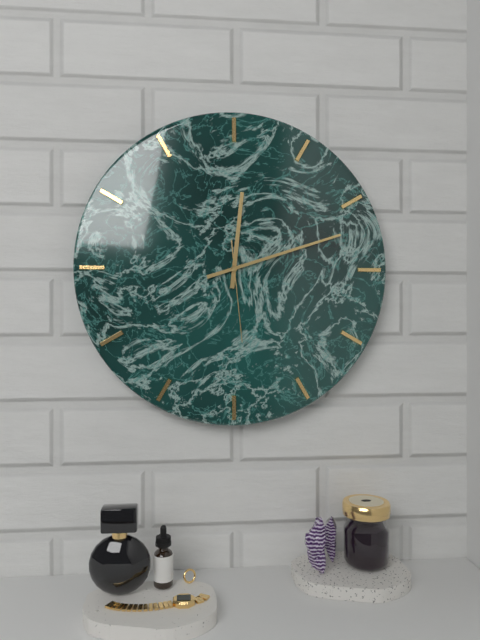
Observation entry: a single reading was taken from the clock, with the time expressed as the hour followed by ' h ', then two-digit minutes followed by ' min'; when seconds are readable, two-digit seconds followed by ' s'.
12 h 12 min 29 s
